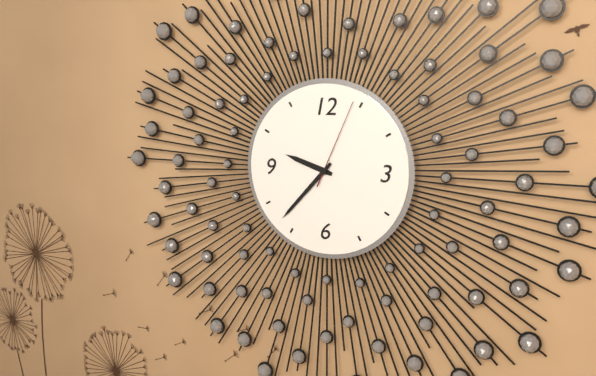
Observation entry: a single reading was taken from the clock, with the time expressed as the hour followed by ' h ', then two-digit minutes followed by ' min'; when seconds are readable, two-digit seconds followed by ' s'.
9 h 37 min 04 s
